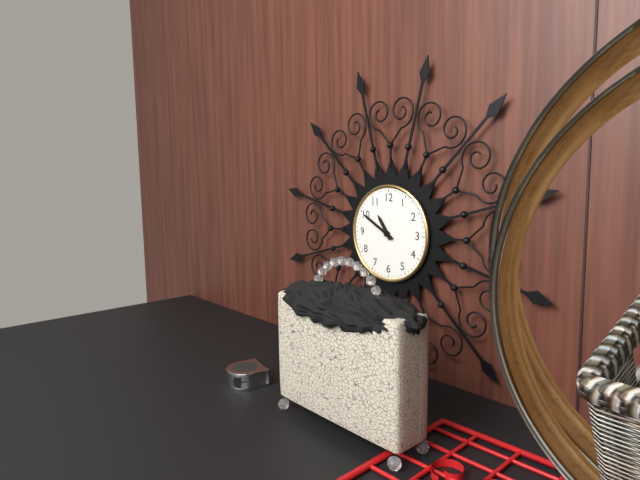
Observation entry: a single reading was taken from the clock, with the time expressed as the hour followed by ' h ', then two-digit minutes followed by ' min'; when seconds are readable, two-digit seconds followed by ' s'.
10 h 50 min
